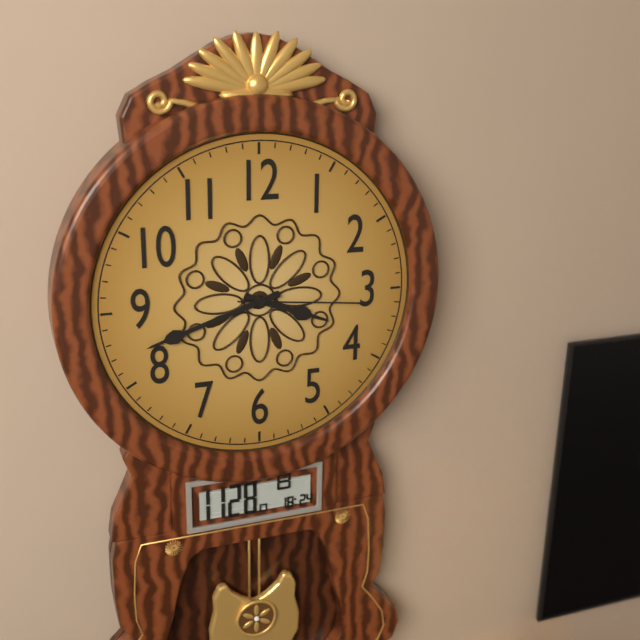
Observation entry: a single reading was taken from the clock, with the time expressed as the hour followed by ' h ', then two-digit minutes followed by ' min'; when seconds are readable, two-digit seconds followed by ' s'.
3 h 42 min 16 s
